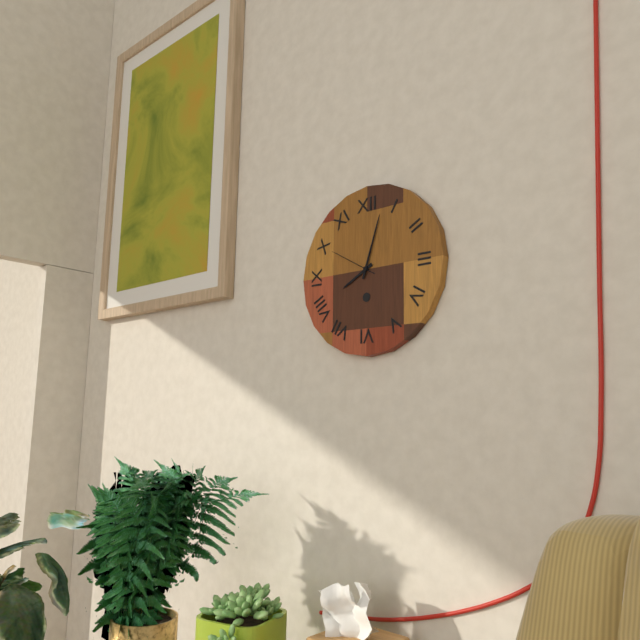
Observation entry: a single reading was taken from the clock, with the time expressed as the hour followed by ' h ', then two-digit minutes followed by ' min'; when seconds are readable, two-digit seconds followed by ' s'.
8 h 03 min
